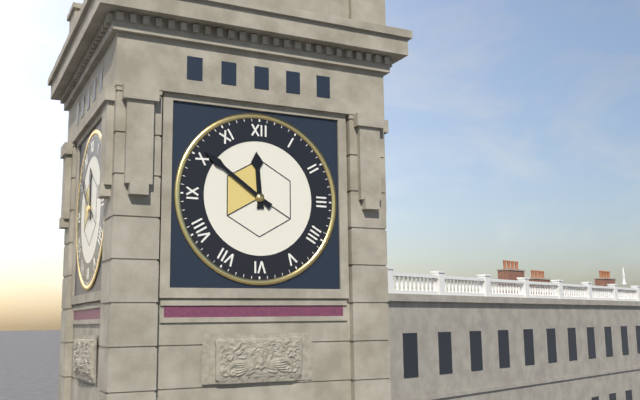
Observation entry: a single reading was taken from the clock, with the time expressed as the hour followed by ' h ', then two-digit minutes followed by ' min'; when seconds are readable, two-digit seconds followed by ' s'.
11 h 51 min
